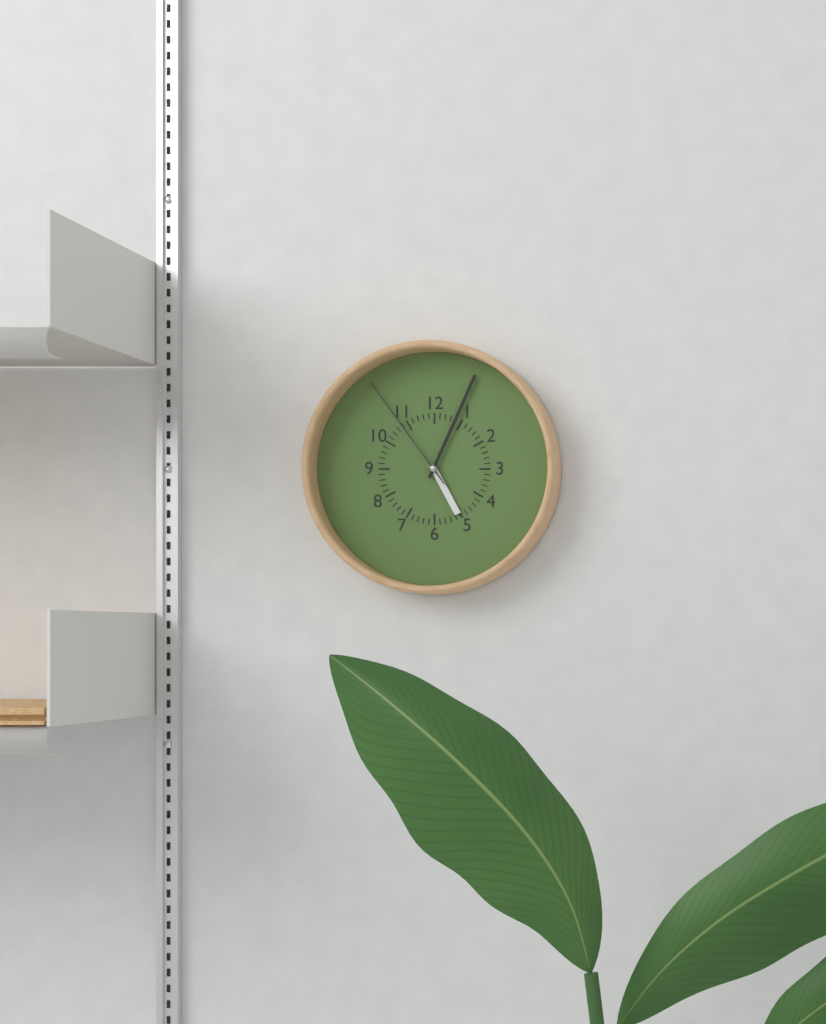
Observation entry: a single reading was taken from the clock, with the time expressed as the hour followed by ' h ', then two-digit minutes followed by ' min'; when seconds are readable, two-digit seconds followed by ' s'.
5 h 04 min 54 s
